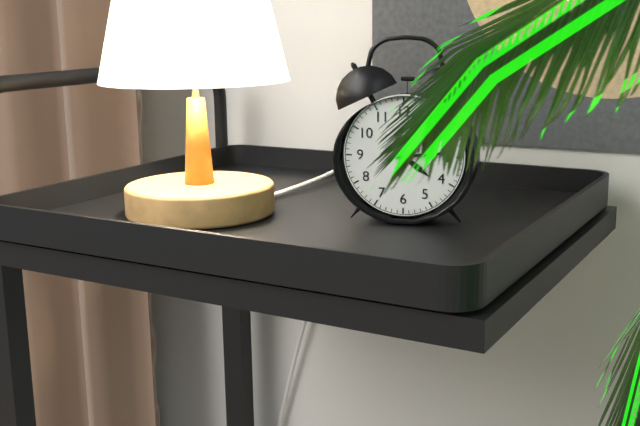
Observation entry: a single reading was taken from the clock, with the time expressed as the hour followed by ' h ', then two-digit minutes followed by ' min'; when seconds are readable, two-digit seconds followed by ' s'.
4 h 14 min
